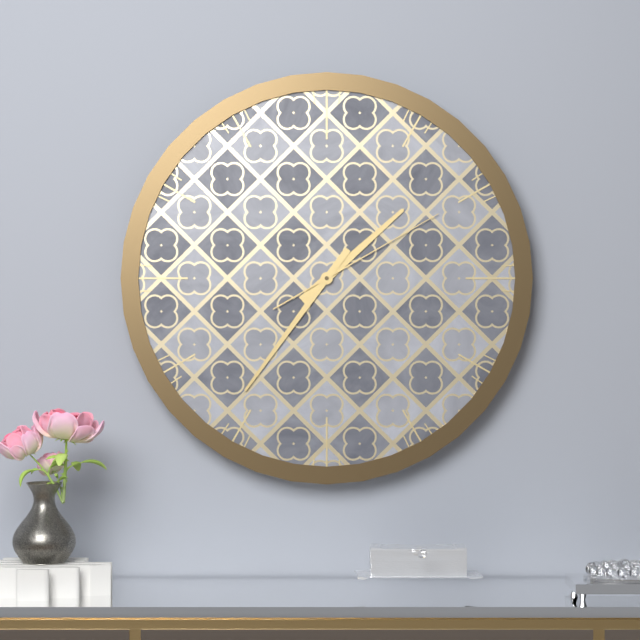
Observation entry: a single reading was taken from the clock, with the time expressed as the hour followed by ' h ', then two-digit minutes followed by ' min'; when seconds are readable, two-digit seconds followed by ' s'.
1 h 36 min 10 s
